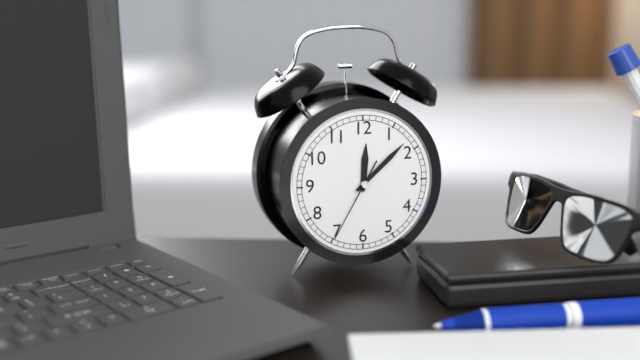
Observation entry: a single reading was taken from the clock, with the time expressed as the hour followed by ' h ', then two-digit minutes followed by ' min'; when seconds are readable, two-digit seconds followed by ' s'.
12 h 08 min 35 s
